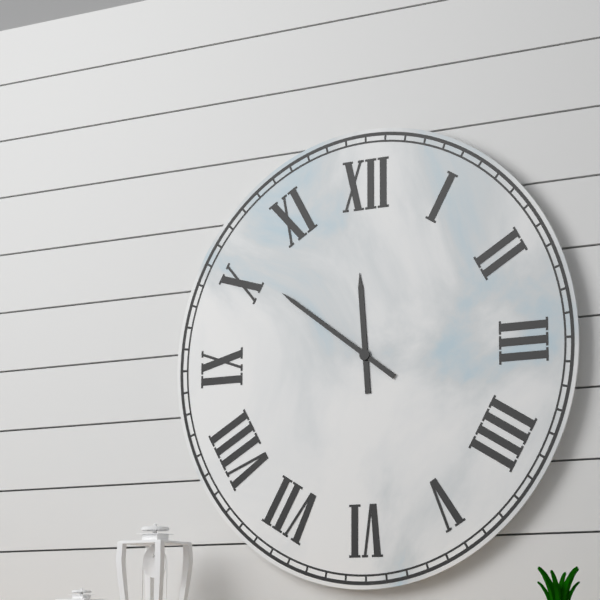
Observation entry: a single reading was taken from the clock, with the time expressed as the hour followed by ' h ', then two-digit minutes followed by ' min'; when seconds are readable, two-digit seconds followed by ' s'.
11 h 51 min
